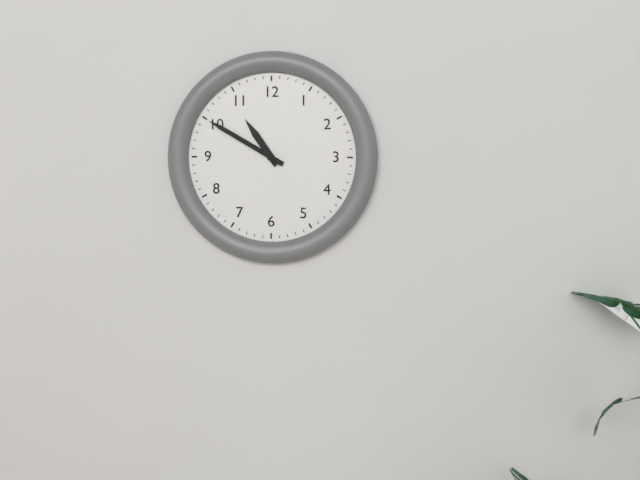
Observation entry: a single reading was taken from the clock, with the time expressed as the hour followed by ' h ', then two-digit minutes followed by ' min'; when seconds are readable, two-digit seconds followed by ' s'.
10 h 50 min
